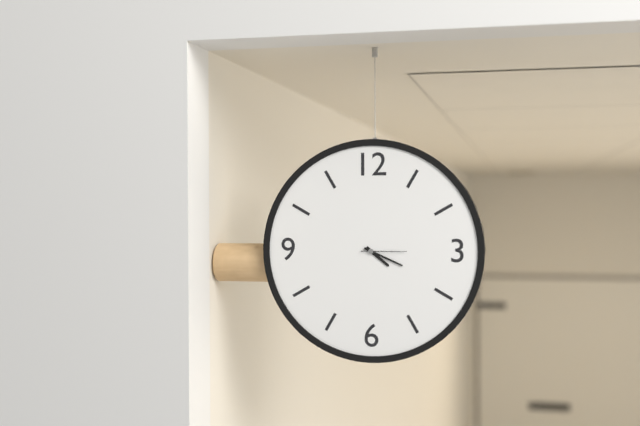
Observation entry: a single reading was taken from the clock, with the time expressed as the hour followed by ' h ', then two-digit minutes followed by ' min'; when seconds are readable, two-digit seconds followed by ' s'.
4 h 19 min
